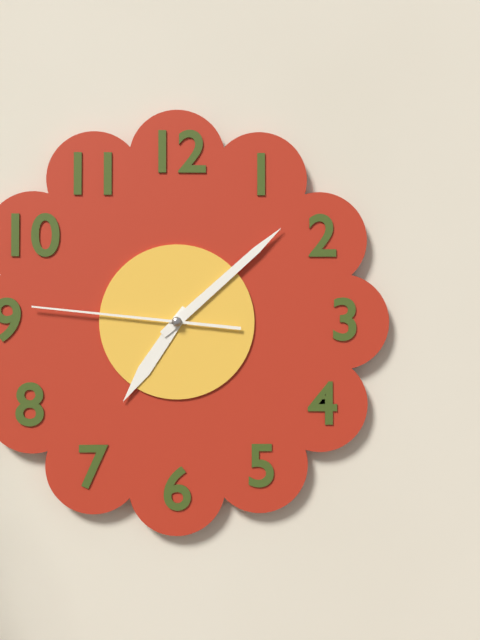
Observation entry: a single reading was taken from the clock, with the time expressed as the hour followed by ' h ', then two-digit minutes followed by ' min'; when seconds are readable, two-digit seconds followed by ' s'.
7 h 08 min 46 s
